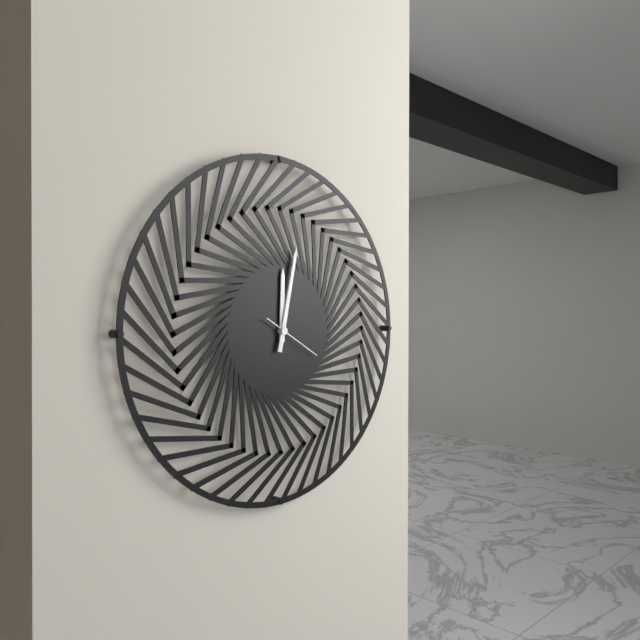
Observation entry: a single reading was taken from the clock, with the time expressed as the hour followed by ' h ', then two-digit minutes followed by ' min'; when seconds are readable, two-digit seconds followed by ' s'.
12 h 02 min 20 s
